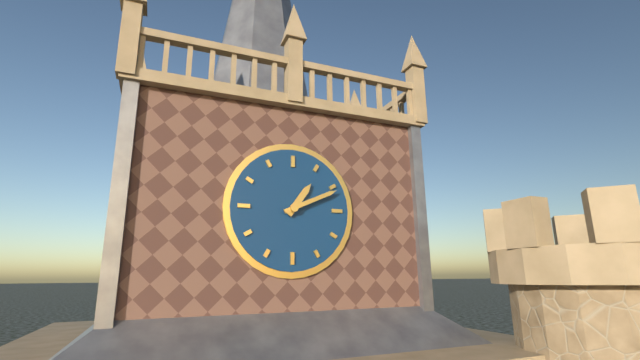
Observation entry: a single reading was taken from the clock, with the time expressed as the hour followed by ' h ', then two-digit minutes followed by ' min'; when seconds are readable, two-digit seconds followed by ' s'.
1 h 11 min
